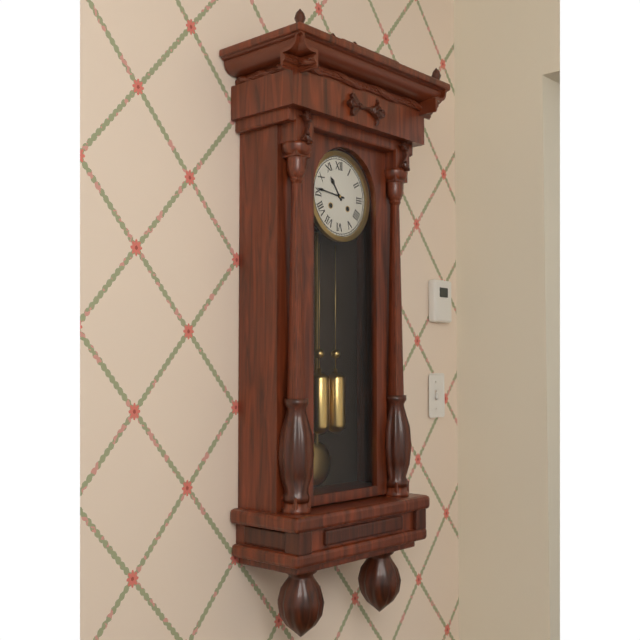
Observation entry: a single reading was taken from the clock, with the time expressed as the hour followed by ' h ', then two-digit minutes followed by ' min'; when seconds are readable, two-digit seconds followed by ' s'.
10 h 46 min
